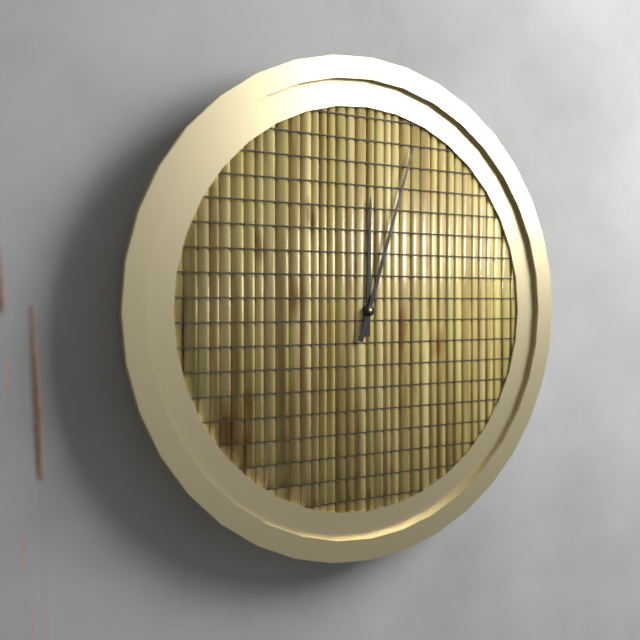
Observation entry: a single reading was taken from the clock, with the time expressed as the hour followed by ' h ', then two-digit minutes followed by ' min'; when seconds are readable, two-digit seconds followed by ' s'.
12 h 03 min
